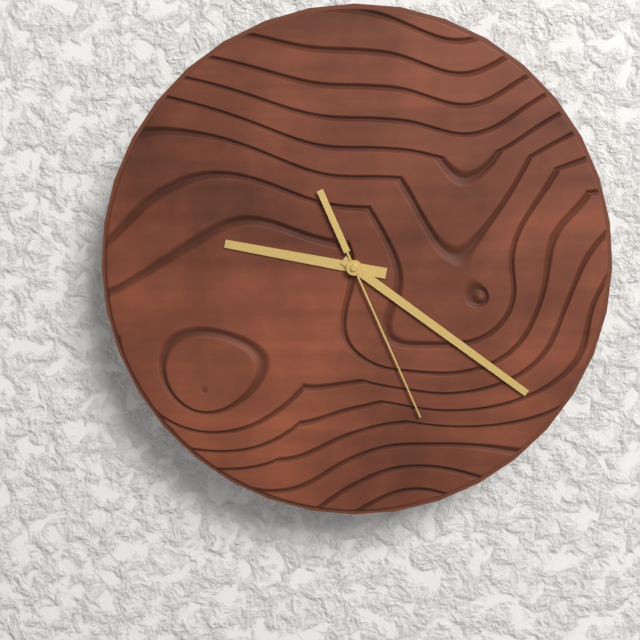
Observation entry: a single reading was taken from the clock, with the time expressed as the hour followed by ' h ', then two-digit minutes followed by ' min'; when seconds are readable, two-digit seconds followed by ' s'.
9 h 21 min 26 s
